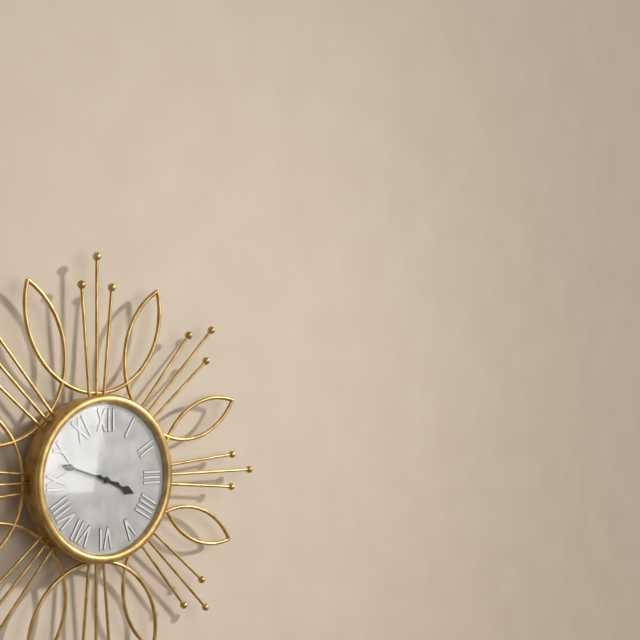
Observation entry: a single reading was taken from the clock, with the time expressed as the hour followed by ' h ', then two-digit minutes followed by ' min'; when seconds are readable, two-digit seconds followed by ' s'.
3 h 48 min
